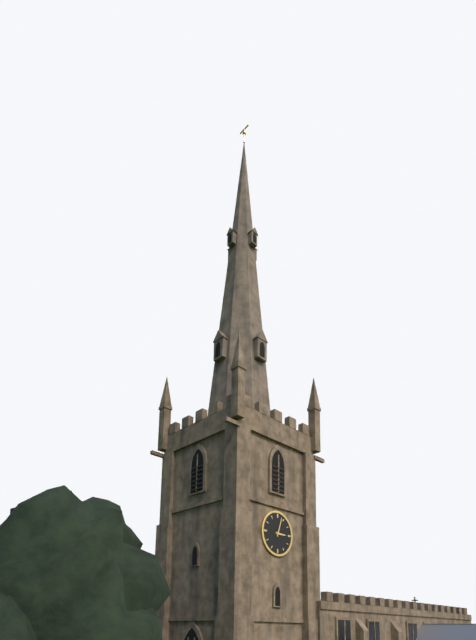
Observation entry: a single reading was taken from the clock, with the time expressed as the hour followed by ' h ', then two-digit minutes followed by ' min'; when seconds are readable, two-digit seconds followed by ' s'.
3 h 03 min
